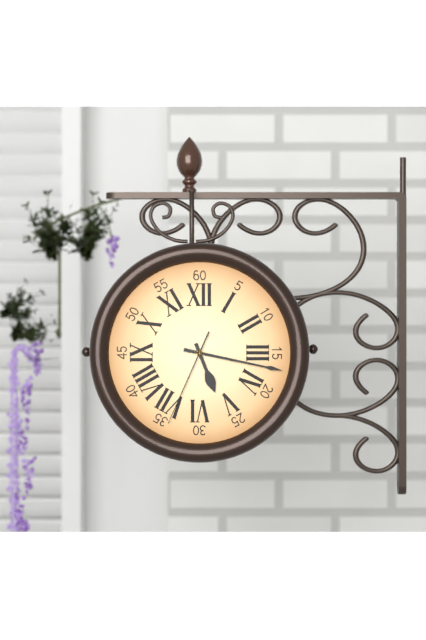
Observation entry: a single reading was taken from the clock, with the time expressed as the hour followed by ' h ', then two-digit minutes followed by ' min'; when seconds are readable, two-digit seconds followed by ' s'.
5 h 17 min 34 s
